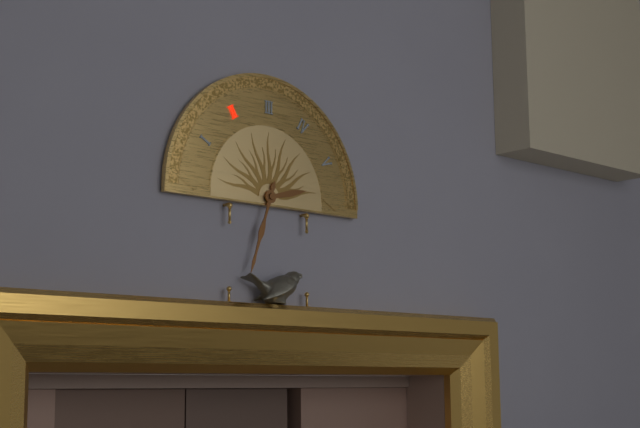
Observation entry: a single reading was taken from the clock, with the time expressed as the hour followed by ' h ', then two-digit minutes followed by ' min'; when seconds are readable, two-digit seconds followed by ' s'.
2 h 33 min
